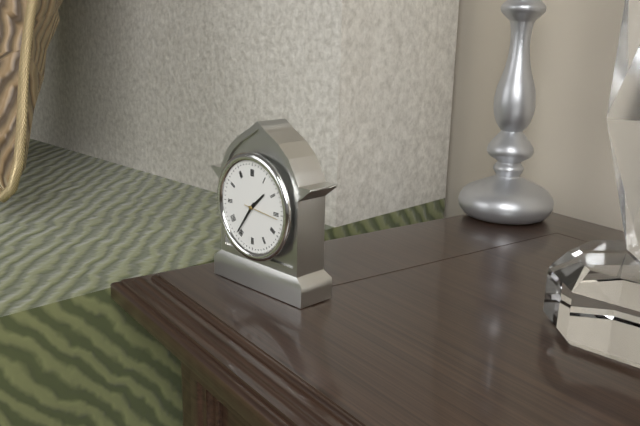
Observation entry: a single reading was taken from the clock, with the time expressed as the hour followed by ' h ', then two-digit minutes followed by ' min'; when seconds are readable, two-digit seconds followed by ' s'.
1 h 36 min
